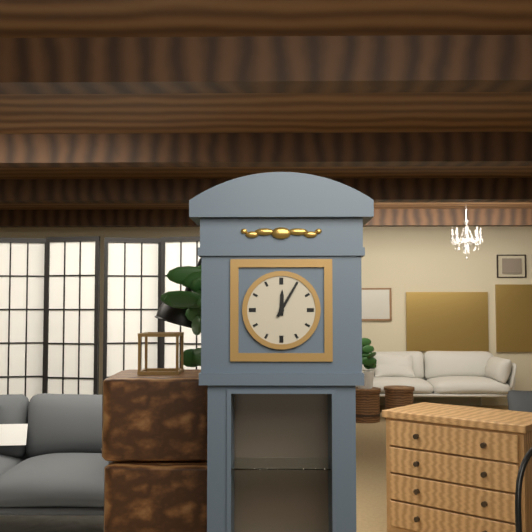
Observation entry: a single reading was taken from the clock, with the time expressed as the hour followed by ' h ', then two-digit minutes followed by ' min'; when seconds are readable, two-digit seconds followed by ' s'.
12 h 05 min
